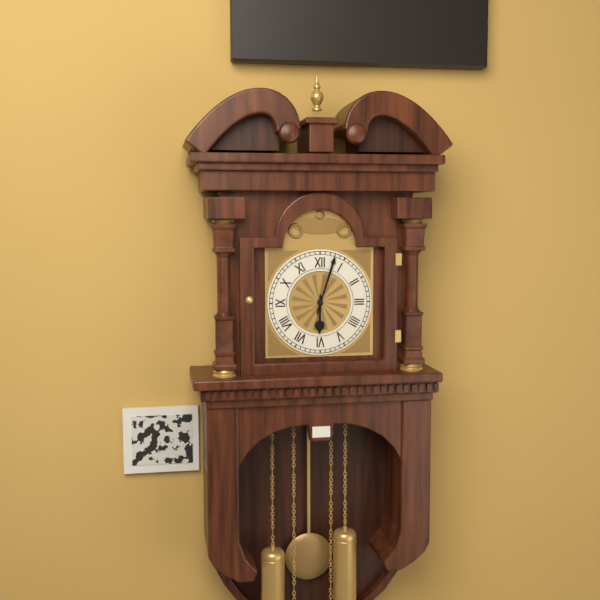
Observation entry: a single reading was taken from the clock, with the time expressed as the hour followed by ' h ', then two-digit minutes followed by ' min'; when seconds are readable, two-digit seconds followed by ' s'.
6 h 03 min
